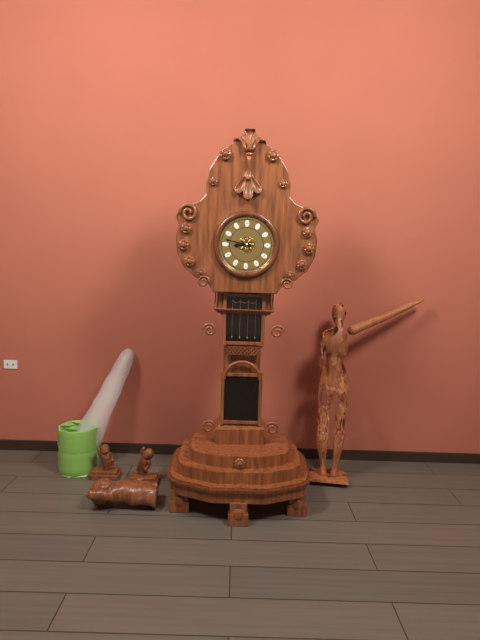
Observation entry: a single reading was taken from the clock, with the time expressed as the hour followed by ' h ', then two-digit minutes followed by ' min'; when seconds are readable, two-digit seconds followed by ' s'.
8 h 47 min
